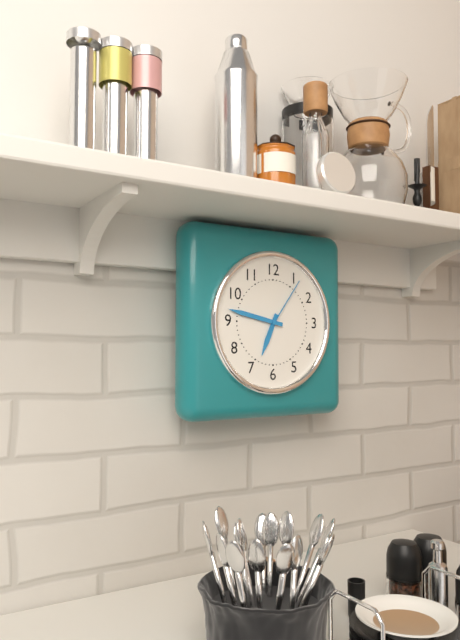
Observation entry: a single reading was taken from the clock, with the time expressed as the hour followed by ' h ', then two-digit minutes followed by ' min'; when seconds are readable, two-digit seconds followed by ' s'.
6 h 47 min 06 s
